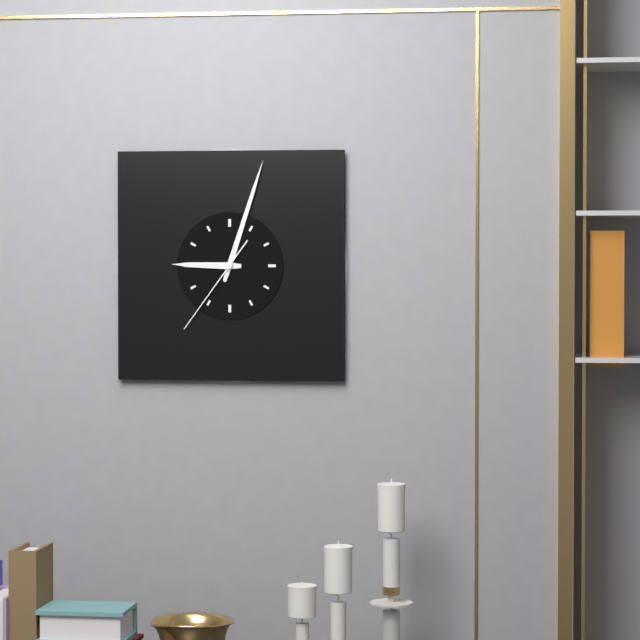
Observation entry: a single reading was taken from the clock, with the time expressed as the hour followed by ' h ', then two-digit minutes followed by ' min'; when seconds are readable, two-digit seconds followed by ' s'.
9 h 03 min 36 s
